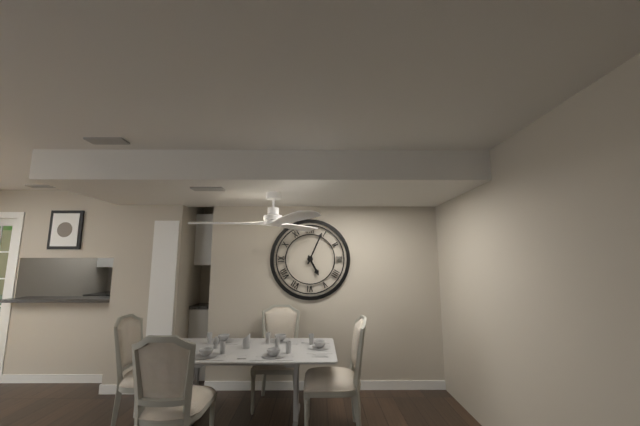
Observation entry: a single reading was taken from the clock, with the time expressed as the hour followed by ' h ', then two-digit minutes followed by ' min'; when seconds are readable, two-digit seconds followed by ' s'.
5 h 04 min
